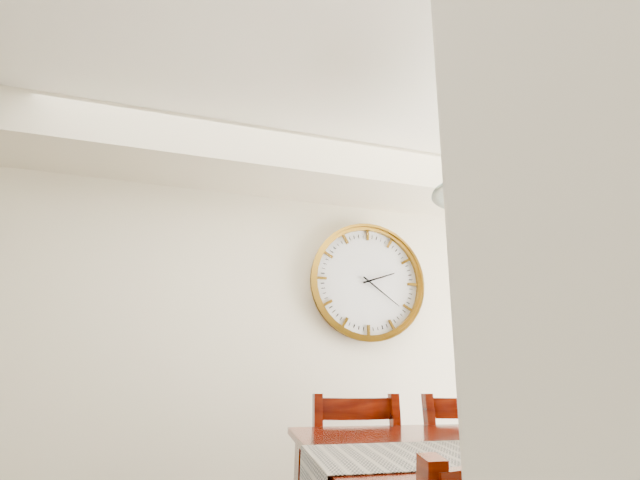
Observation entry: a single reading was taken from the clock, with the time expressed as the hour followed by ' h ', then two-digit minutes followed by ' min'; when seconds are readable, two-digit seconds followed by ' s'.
2 h 21 min
